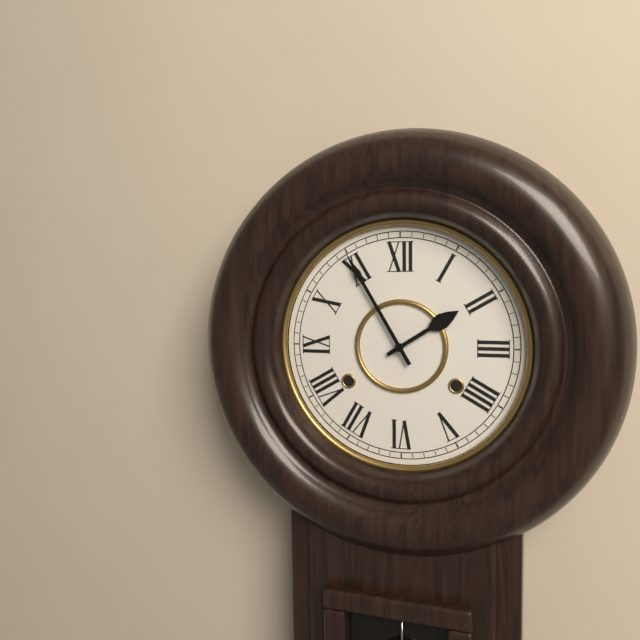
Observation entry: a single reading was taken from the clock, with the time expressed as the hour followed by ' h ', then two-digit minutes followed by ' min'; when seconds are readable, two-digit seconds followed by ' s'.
1 h 55 min
